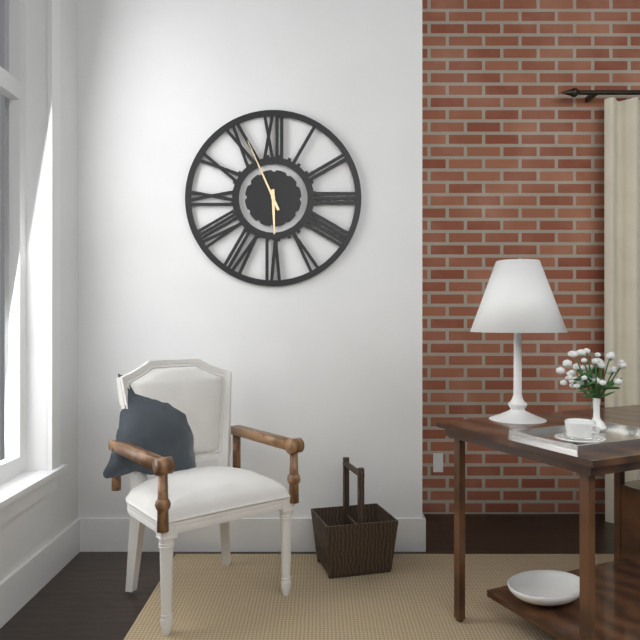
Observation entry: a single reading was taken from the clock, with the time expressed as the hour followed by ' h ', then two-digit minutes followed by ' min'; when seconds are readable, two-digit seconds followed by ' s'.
5 h 56 min
